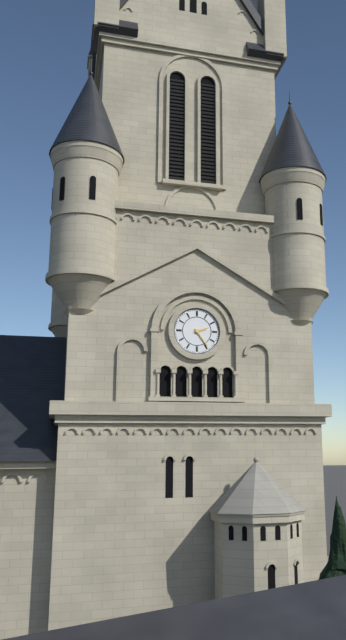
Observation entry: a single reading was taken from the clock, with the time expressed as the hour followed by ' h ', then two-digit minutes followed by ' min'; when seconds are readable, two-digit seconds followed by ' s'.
2 h 24 min
